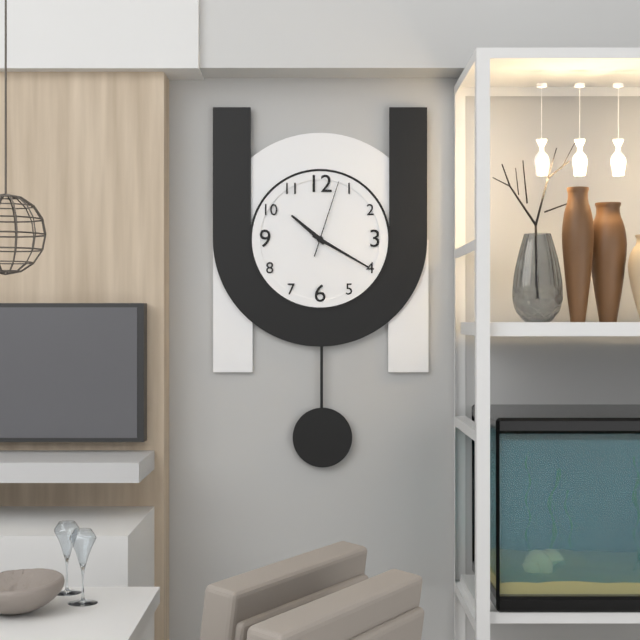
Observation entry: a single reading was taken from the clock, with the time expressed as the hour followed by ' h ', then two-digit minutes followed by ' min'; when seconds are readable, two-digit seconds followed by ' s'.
10 h 20 min 03 s
